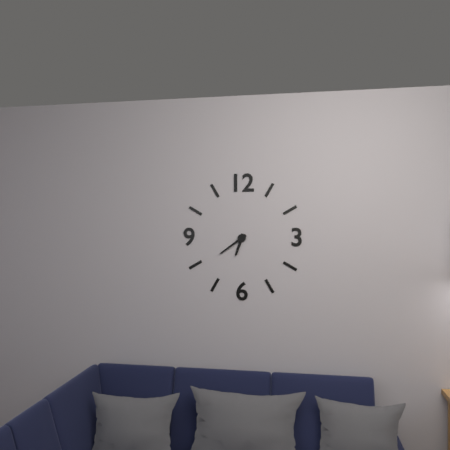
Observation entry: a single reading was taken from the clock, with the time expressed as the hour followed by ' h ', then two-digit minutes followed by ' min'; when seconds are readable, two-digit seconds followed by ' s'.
6 h 39 min
